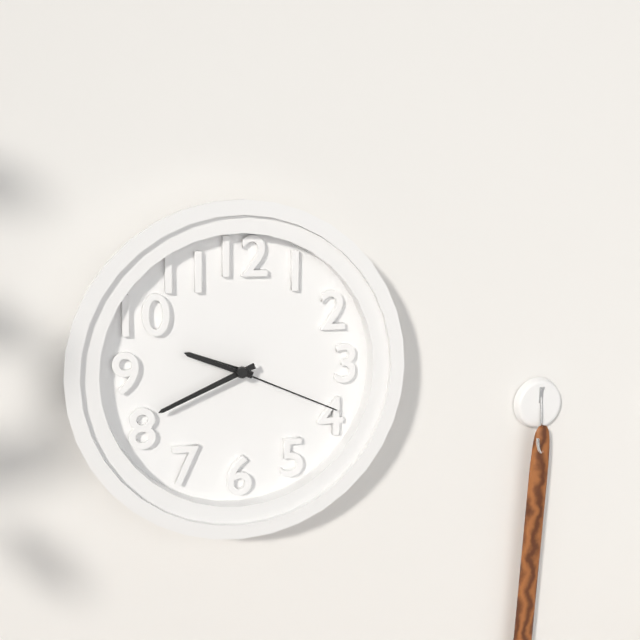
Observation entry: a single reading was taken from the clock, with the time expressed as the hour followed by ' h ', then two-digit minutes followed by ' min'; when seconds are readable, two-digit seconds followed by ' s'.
9 h 41 min 19 s
